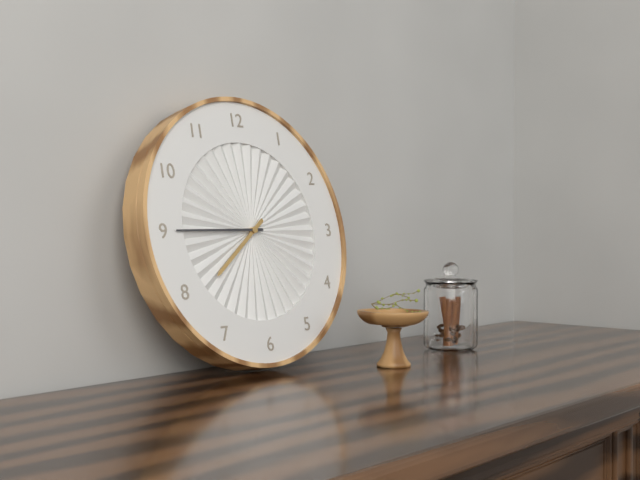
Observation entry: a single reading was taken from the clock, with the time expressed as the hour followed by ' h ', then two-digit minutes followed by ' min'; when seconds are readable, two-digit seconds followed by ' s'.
7 h 45 min
